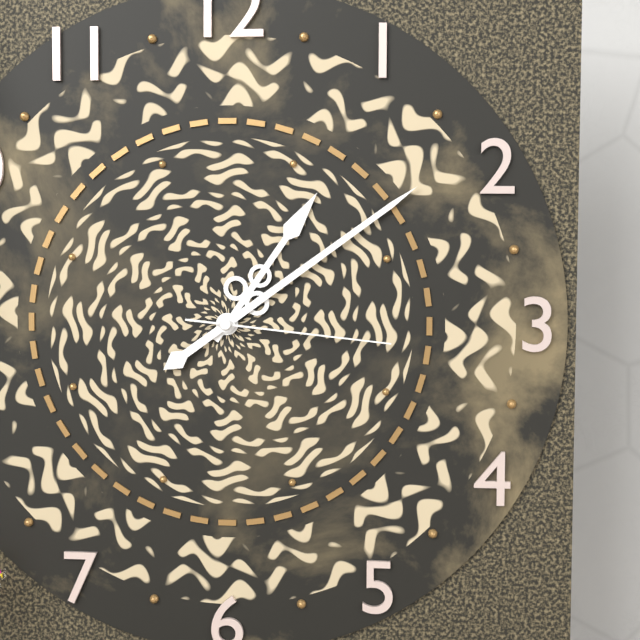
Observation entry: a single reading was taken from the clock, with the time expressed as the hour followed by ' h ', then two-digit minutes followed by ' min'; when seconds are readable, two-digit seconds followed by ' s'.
1 h 09 min 16 s
